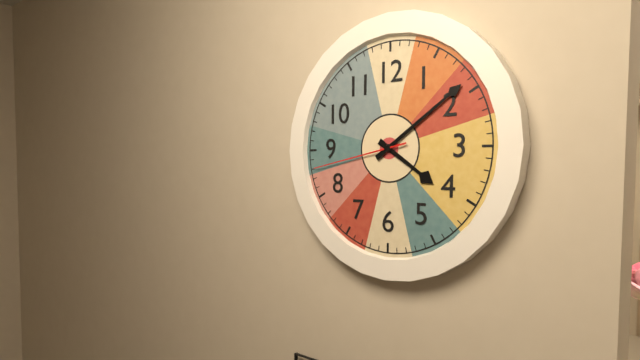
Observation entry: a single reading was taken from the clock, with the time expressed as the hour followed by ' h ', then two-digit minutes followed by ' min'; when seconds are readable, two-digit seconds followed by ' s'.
4 h 09 min 43 s
